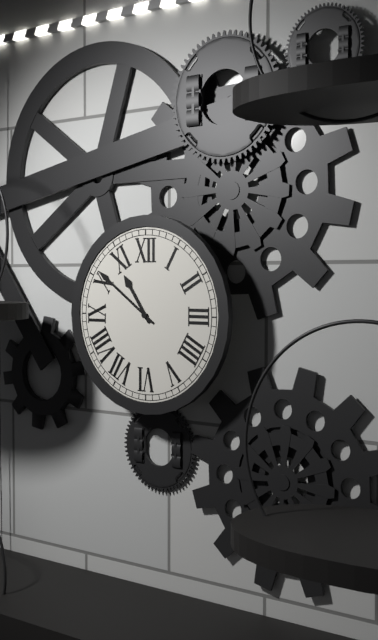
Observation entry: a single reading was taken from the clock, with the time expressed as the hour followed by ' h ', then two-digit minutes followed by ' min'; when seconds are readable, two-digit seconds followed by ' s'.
10 h 51 min
